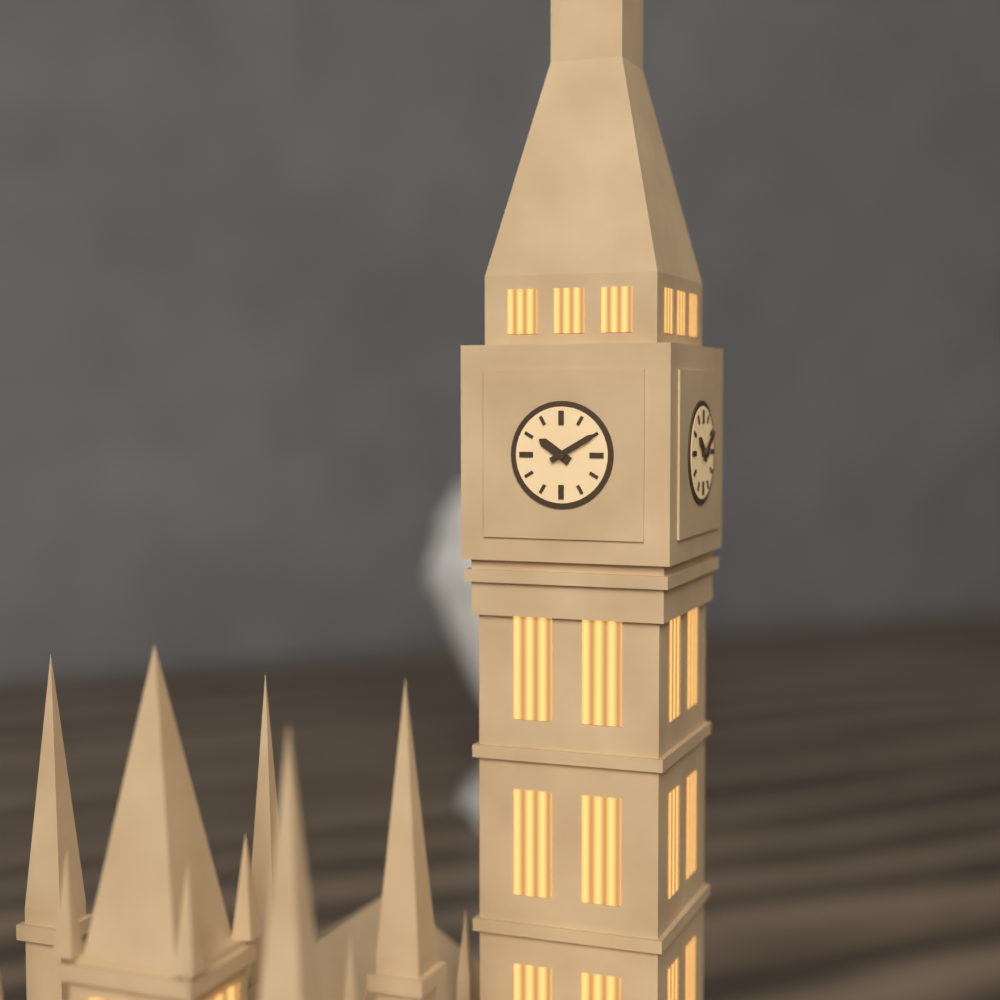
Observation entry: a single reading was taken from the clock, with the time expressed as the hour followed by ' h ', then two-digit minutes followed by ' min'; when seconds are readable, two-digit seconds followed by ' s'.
10 h 10 min
